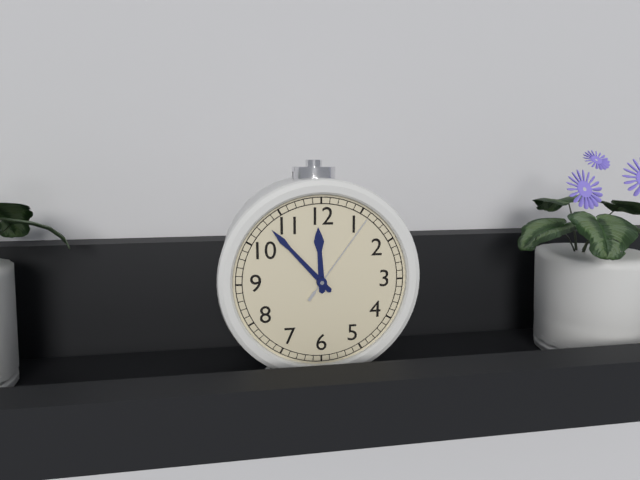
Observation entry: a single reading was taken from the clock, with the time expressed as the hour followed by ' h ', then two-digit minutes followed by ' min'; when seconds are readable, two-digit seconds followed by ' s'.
11 h 53 min 06 s
